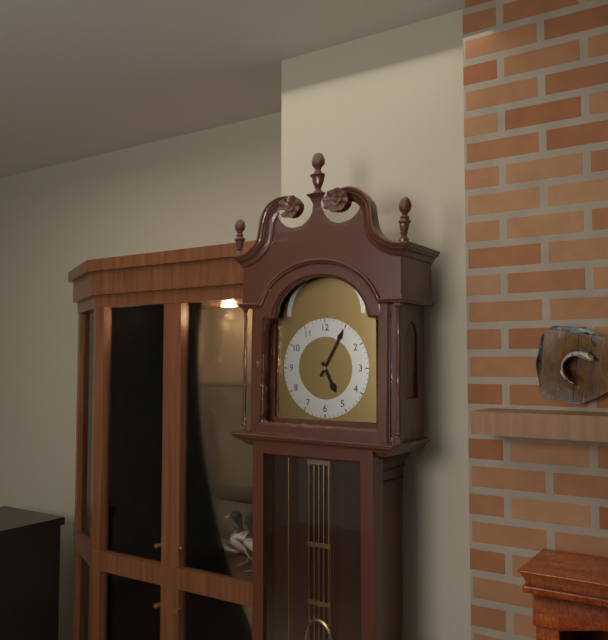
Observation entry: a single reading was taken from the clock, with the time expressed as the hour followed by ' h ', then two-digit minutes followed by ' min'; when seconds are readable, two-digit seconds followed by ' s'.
5 h 05 min
